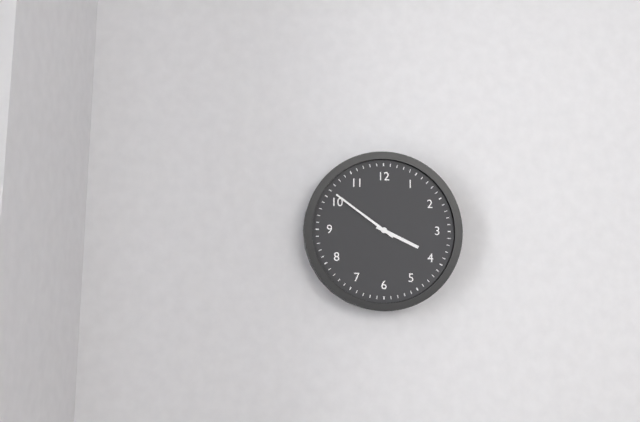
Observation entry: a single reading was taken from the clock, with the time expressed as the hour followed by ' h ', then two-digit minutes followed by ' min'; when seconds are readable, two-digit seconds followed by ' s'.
3 h 51 min
